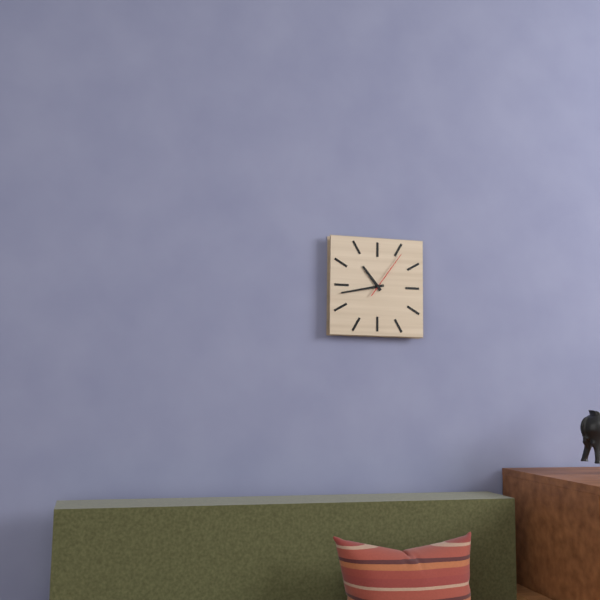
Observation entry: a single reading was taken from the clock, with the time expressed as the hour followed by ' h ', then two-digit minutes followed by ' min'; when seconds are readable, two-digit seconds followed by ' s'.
10 h 43 min
